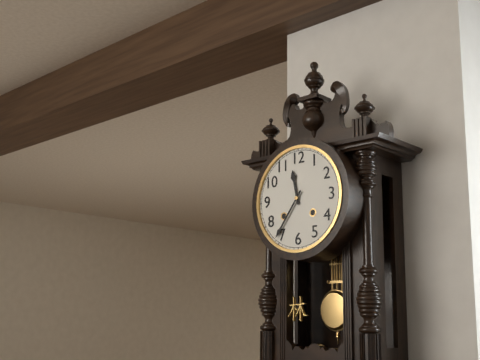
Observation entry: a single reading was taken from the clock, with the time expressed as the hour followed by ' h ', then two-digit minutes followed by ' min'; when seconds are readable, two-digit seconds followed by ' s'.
11 h 36 min
